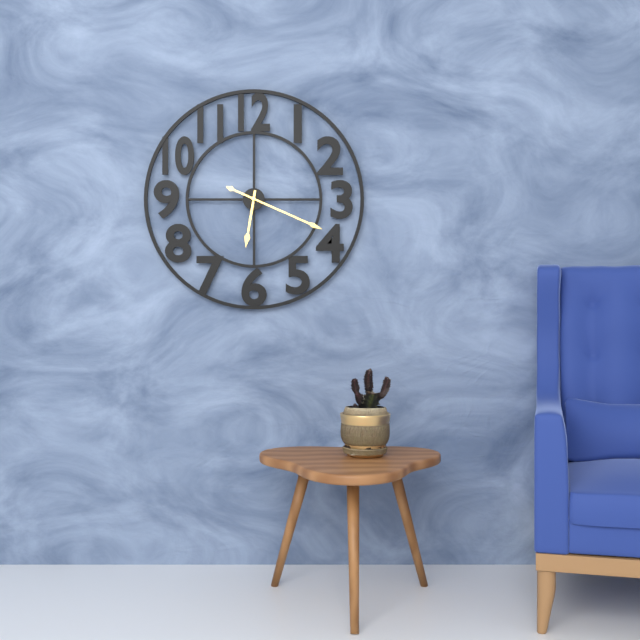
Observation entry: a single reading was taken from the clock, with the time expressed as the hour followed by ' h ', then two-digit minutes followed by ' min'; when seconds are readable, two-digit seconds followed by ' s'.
6 h 19 min
